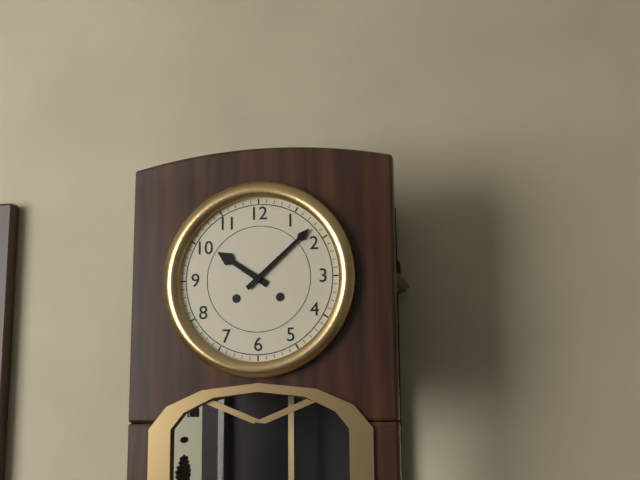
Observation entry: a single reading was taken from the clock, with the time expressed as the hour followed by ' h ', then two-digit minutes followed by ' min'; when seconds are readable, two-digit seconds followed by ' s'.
10 h 08 min
